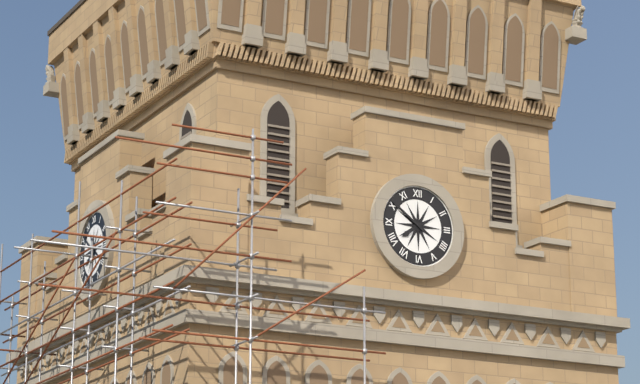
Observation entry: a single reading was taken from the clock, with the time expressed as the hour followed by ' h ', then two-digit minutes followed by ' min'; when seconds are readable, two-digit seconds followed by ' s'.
7 h 51 min
